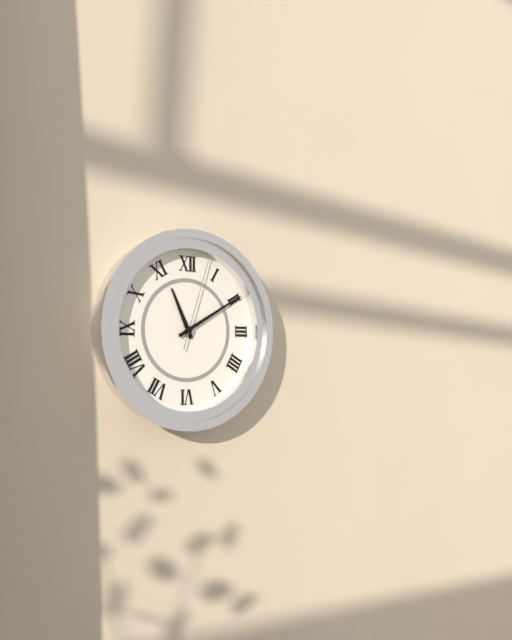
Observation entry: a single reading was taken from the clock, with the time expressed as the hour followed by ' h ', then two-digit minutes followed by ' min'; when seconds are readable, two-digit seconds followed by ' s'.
11 h 10 min 03 s
